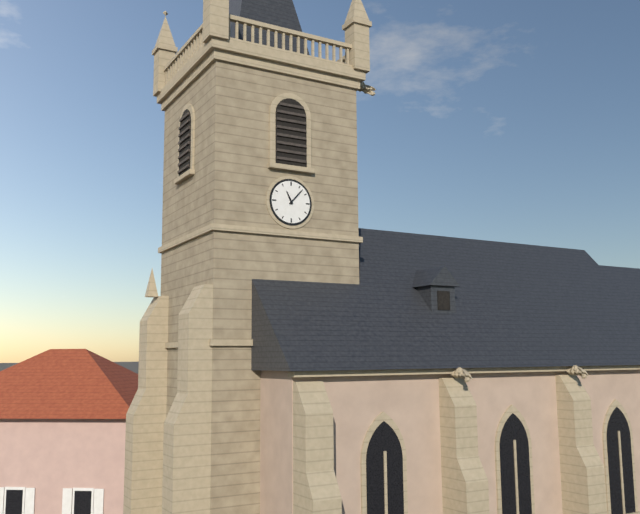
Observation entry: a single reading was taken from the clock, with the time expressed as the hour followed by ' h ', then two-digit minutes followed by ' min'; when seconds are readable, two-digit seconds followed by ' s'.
11 h 07 min
